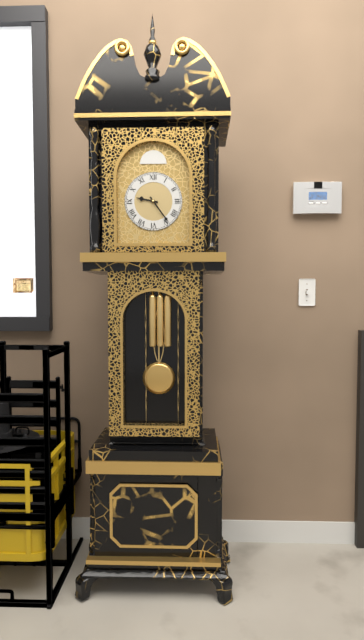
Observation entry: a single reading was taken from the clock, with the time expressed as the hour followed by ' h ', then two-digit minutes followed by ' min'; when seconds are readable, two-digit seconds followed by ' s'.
9 h 24 min
